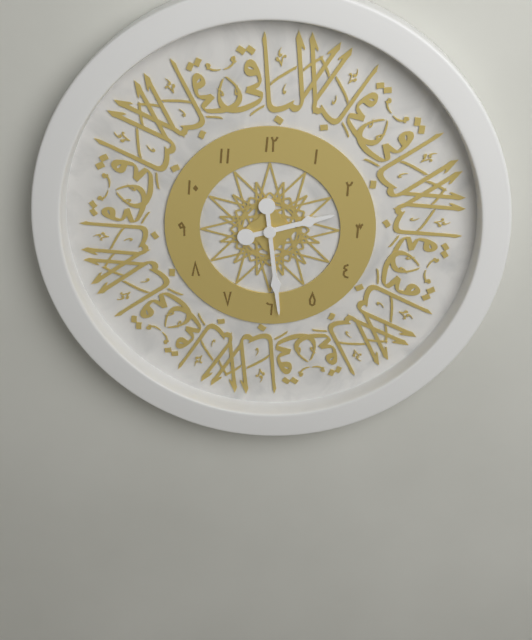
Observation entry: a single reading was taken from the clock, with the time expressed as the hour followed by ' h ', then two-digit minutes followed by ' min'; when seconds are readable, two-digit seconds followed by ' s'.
2 h 29 min
